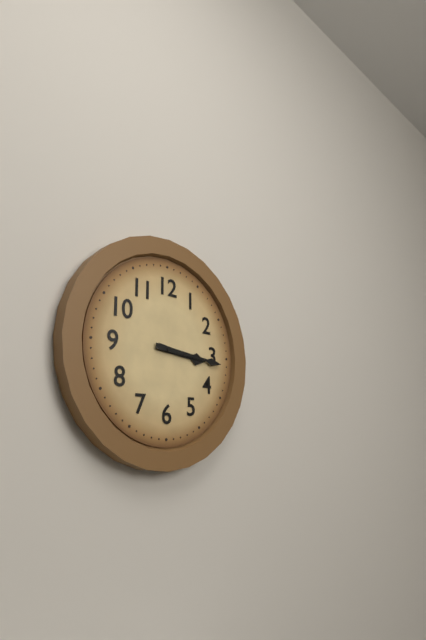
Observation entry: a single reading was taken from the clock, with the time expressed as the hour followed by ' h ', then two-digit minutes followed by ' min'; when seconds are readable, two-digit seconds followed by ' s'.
3 h 16 min
